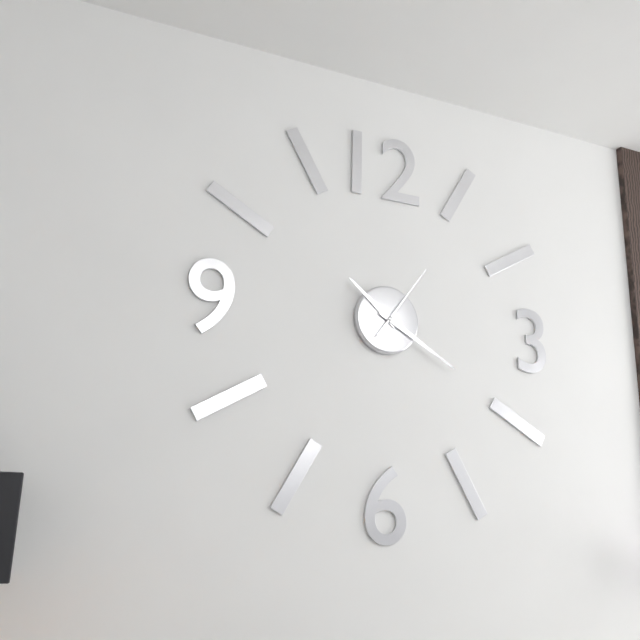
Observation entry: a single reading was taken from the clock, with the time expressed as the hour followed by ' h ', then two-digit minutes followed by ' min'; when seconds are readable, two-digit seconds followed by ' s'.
10 h 20 min 06 s
